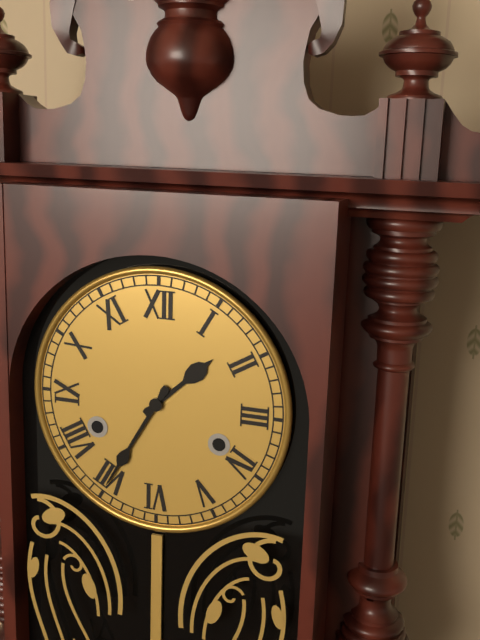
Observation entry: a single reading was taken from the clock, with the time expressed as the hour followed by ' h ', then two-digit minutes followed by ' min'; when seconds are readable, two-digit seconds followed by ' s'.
1 h 35 min
